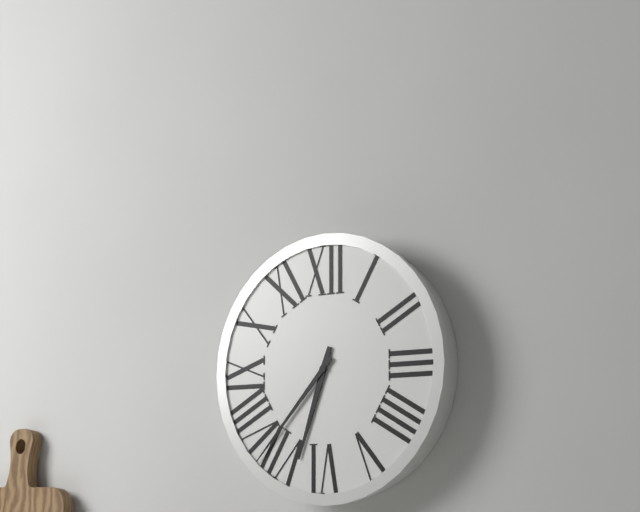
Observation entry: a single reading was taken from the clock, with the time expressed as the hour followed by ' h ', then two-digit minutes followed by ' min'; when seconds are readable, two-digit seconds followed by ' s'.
6 h 37 min
